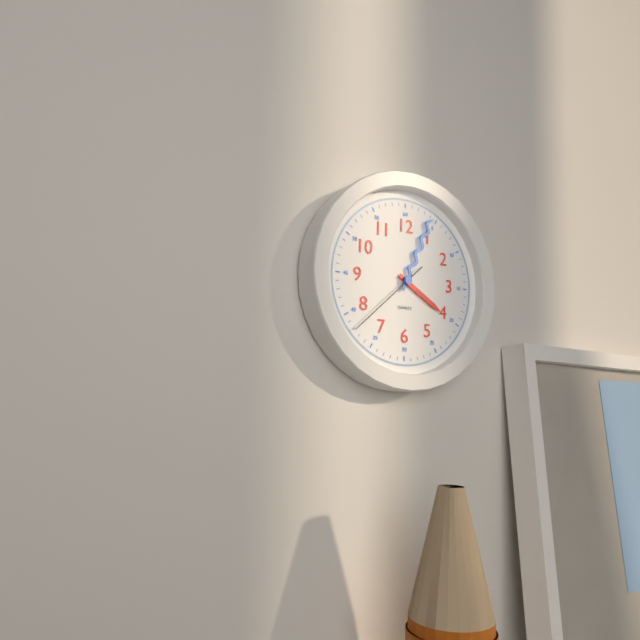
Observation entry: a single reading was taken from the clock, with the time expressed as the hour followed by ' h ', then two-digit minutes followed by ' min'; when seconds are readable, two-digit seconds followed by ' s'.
4 h 04 min 38 s
